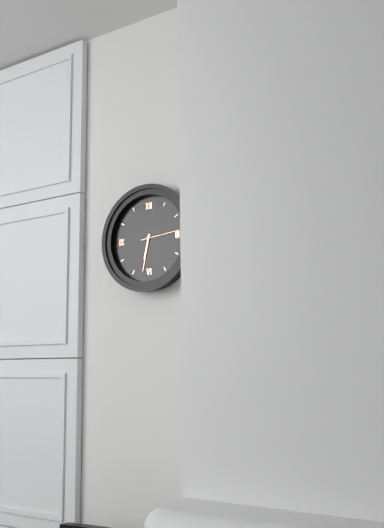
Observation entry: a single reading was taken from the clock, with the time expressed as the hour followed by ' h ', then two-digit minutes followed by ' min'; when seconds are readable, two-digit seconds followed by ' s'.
6 h 32 min
